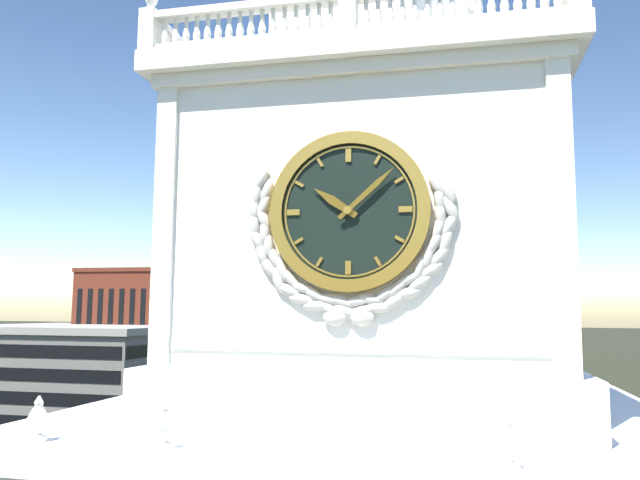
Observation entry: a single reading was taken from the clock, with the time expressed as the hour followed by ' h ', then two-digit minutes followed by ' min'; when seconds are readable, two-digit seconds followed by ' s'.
10 h 08 min
